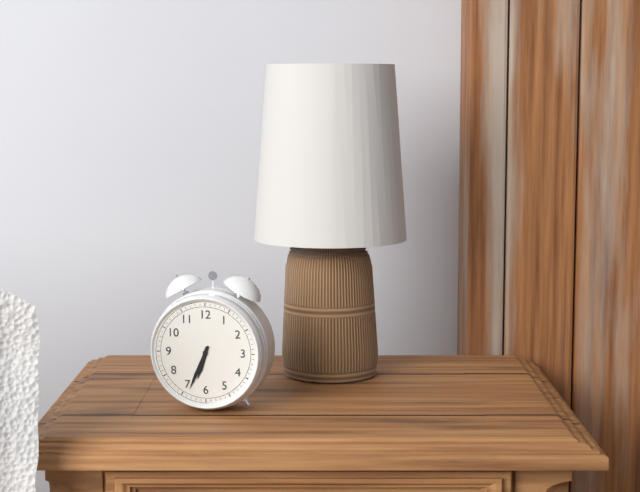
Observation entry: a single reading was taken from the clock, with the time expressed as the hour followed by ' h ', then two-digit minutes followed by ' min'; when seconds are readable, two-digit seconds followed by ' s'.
6 h 34 min
